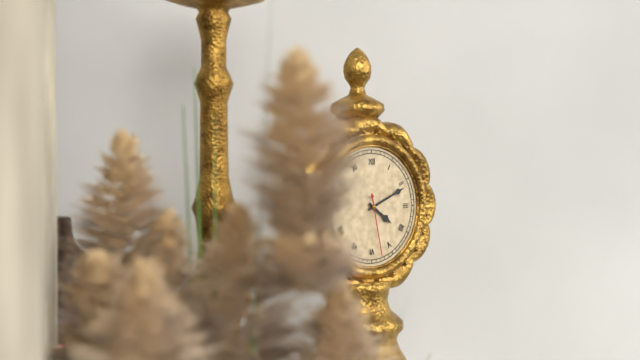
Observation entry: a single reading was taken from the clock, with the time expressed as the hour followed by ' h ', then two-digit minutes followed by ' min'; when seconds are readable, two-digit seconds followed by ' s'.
4 h 11 min 28 s
